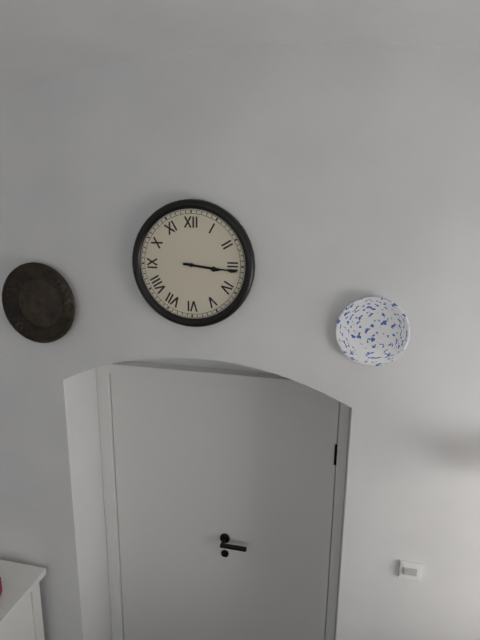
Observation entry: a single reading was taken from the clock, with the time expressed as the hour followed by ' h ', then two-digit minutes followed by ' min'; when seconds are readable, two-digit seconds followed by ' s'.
3 h 16 min
